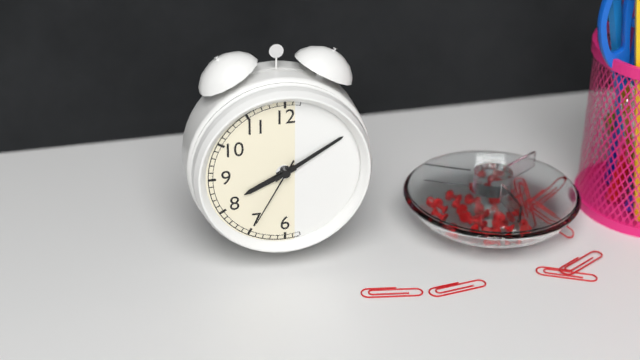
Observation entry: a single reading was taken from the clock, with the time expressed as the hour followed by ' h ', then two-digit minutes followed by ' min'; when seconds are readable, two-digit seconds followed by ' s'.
8 h 10 min 35 s
